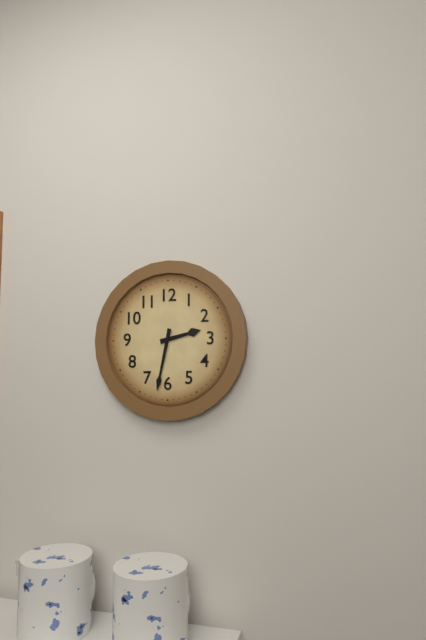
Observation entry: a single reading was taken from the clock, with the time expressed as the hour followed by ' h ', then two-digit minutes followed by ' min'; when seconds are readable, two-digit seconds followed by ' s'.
2 h 32 min
